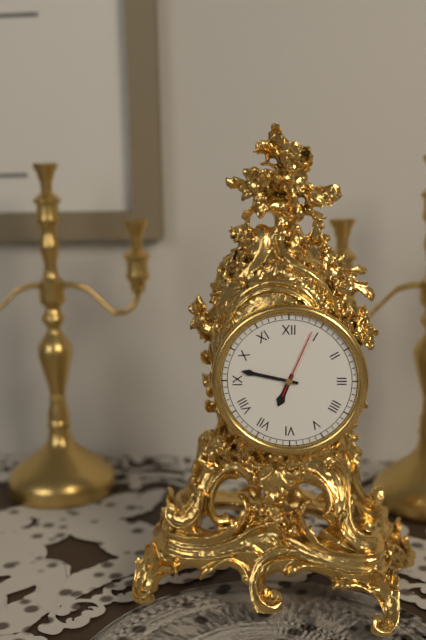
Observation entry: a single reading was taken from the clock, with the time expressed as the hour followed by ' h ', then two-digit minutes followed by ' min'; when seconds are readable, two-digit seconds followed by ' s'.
6 h 47 min 04 s
